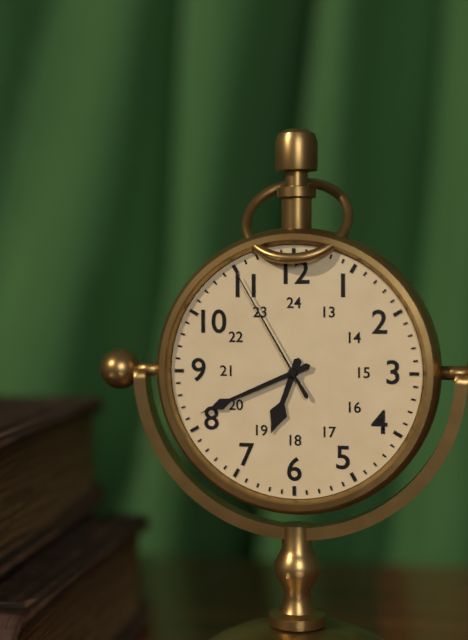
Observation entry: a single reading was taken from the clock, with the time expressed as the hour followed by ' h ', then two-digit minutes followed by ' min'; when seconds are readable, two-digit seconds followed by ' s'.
6 h 41 min 55 s
